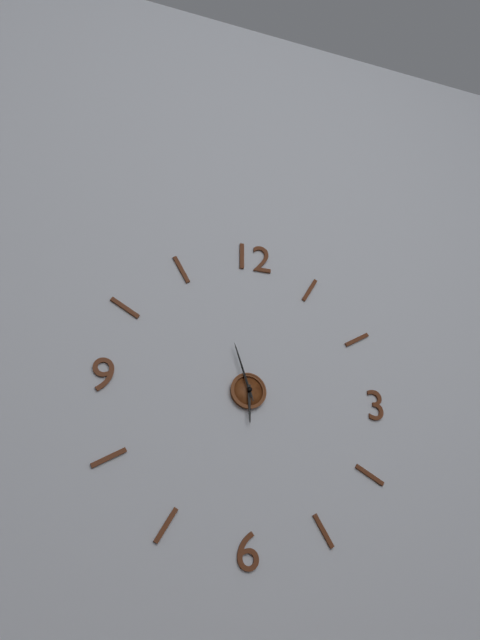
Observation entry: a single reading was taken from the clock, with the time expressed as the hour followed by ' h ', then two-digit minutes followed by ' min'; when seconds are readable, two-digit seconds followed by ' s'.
5 h 57 min
